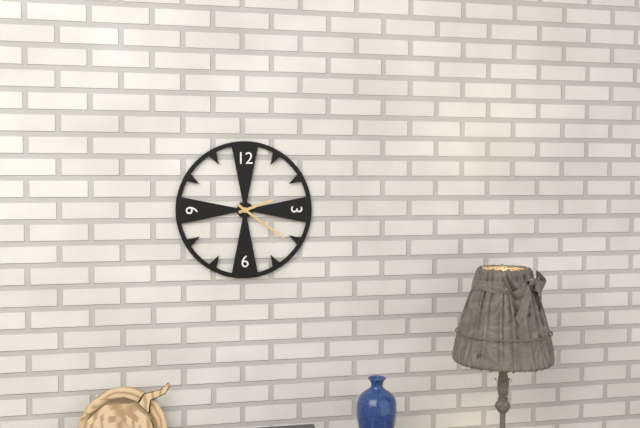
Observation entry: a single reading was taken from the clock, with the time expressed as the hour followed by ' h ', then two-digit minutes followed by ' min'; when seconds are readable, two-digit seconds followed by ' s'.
2 h 21 min
